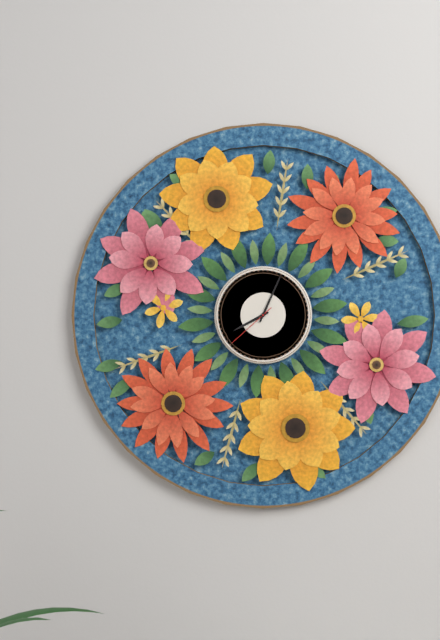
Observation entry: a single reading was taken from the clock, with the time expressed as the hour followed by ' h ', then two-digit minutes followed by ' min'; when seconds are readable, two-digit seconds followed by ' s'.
8 h 04 min 38 s
